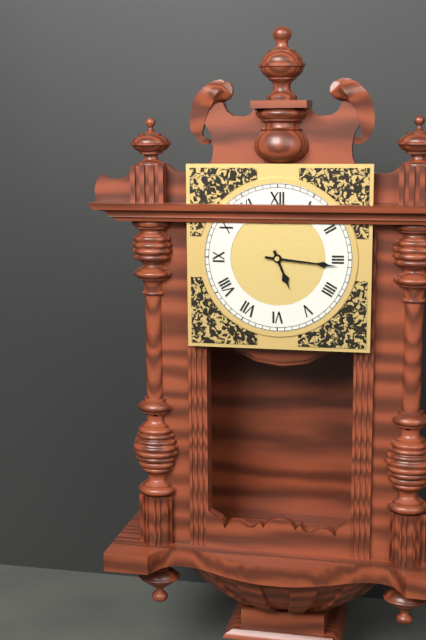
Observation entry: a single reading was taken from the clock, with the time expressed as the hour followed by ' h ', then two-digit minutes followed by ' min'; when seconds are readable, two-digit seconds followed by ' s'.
5 h 16 min
